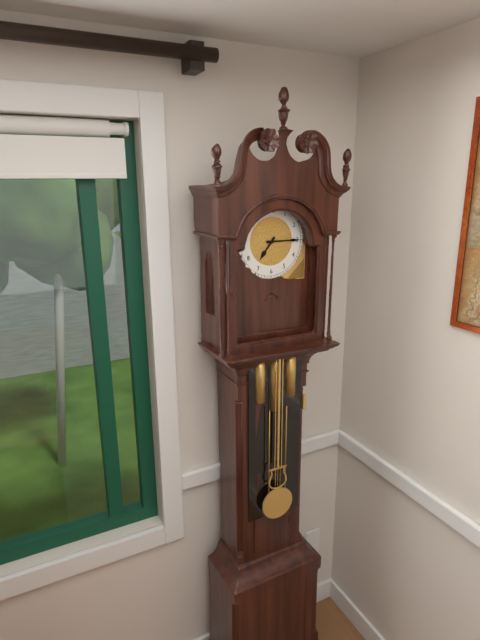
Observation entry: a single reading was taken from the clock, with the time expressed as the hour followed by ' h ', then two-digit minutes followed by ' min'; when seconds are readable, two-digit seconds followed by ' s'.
7 h 15 min
